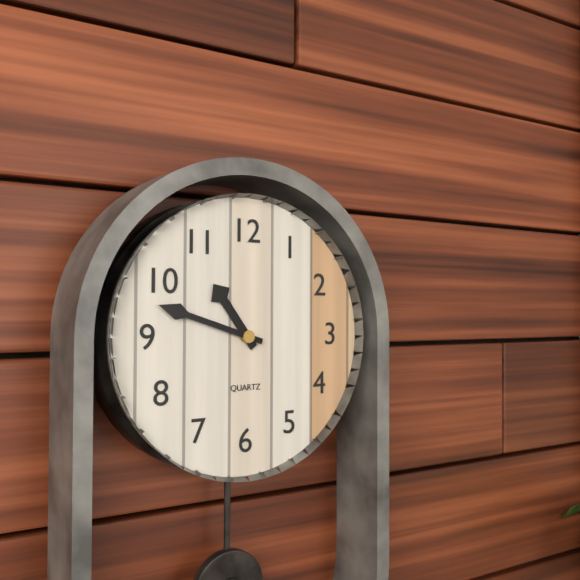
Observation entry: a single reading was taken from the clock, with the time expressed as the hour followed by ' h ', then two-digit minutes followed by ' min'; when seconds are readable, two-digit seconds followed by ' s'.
10 h 48 min
